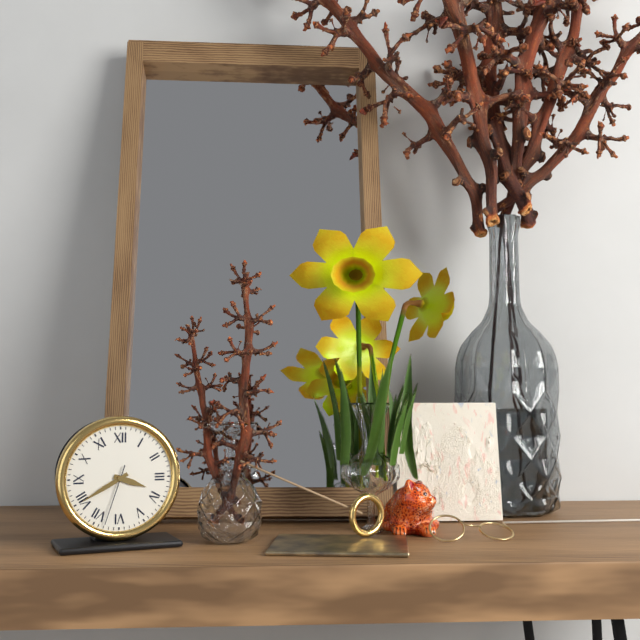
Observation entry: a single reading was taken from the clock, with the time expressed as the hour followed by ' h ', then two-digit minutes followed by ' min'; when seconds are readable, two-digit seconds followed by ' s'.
3 h 40 min 33 s
